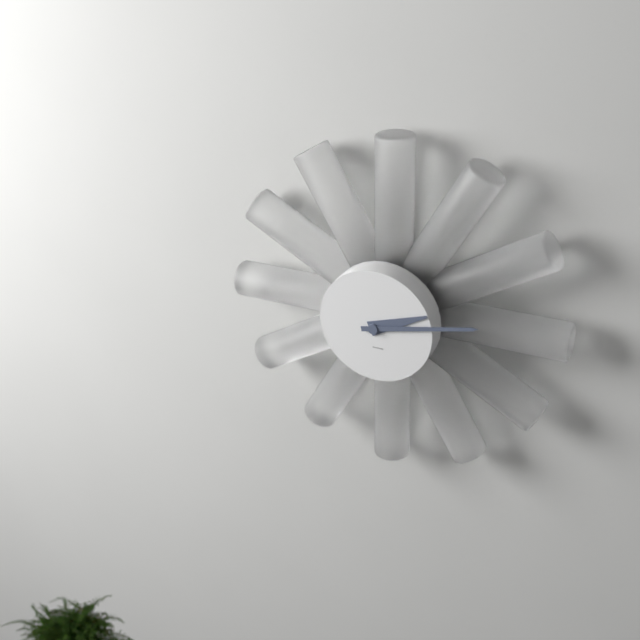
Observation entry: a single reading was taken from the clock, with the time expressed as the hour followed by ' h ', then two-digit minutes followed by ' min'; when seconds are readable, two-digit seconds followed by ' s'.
2 h 13 min
